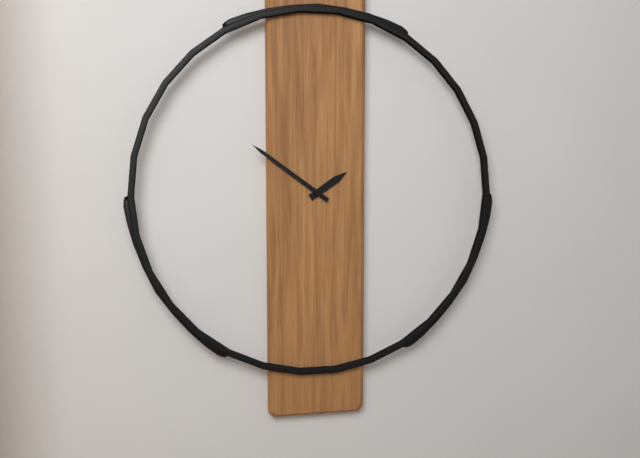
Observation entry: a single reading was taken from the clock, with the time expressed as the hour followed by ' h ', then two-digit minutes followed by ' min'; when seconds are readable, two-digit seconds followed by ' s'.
1 h 51 min
